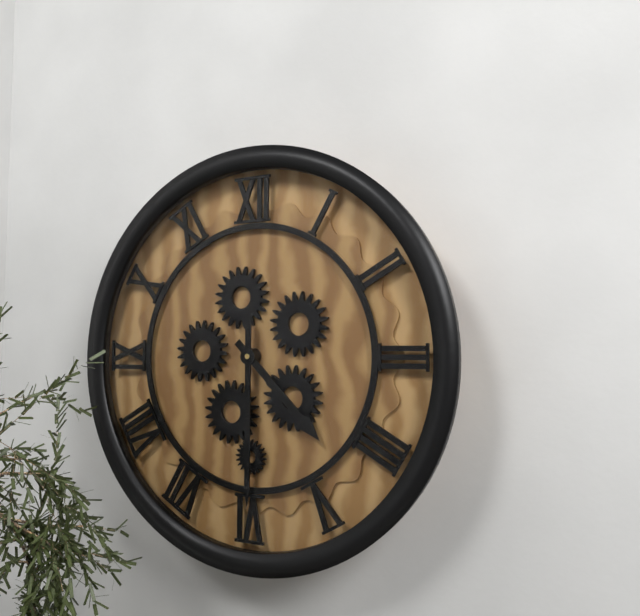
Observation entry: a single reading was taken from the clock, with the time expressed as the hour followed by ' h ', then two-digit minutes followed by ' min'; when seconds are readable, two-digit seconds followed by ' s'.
4 h 30 min
